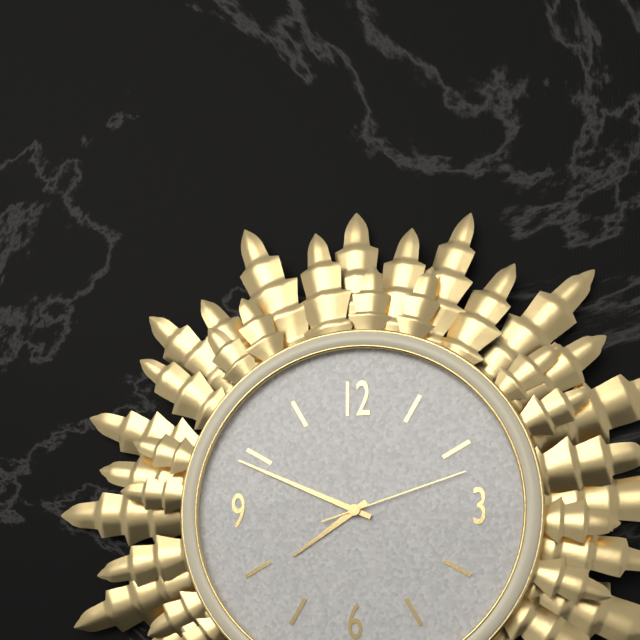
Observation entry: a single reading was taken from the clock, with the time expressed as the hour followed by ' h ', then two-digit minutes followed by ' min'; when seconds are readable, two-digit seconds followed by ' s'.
7 h 49 min 12 s
